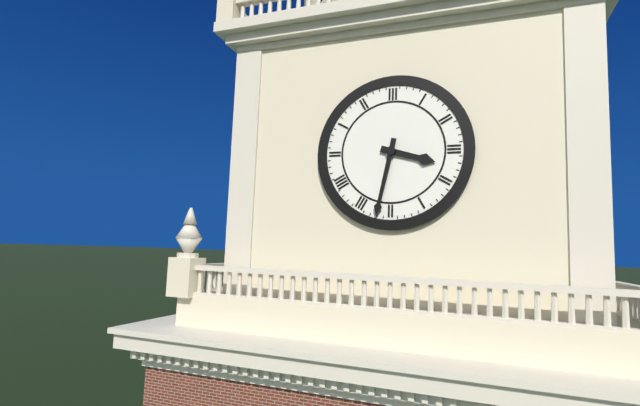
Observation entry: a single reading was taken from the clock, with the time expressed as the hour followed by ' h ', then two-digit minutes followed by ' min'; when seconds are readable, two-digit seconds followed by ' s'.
3 h 32 min
